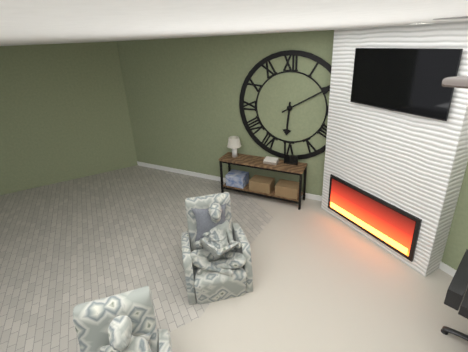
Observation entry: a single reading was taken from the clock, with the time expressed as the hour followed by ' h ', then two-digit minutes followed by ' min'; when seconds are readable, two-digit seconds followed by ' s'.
6 h 10 min
